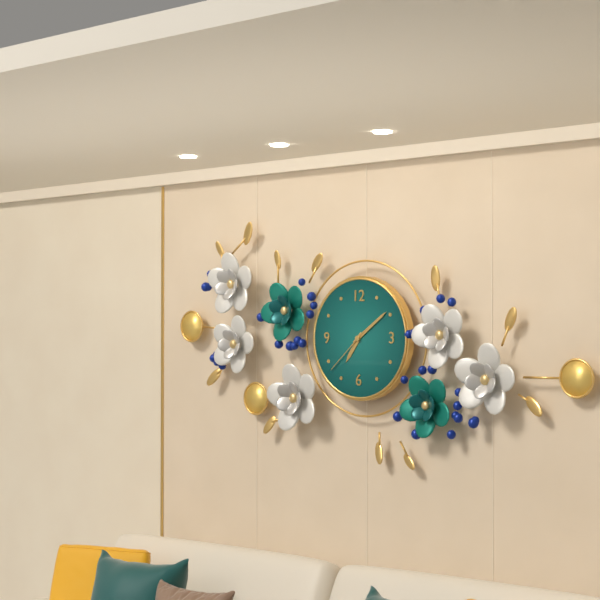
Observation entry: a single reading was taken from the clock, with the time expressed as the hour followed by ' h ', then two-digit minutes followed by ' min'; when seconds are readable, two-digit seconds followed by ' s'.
7 h 09 min 38 s
